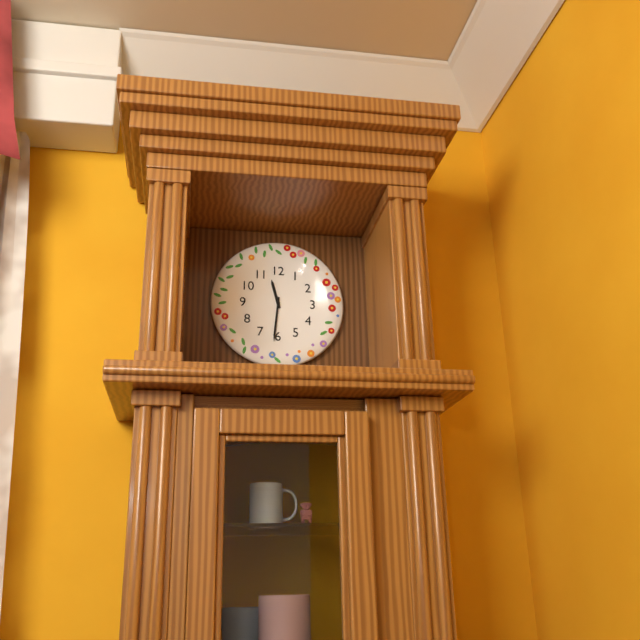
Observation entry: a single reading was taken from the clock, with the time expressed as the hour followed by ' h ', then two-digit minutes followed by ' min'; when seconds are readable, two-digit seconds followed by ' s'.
11 h 31 min
